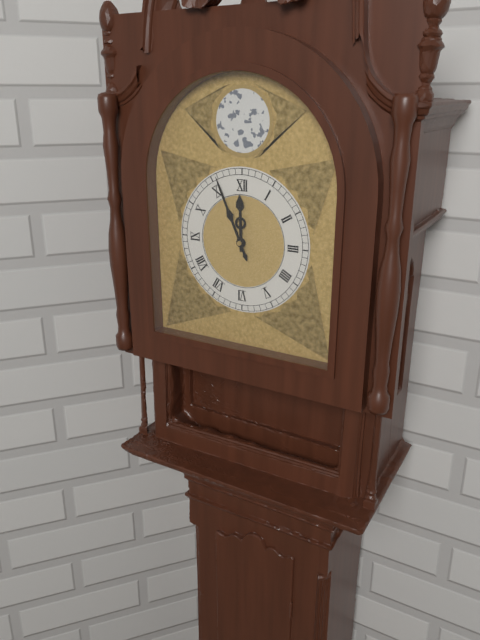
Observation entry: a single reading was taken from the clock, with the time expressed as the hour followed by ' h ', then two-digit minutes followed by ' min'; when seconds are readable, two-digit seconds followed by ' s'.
11 h 56 min
